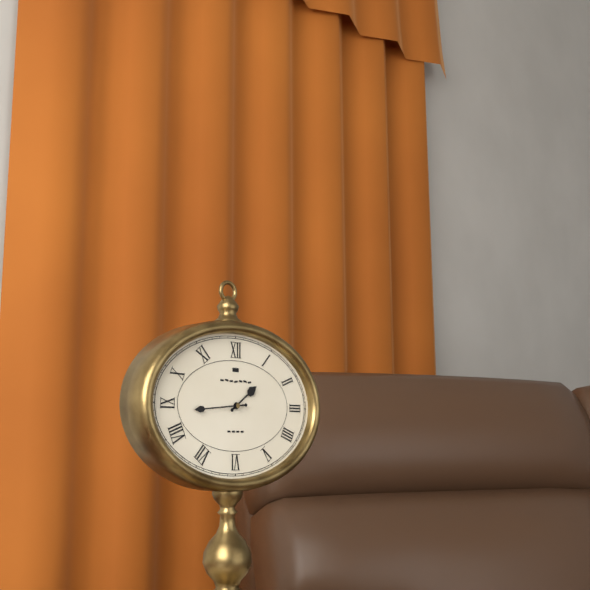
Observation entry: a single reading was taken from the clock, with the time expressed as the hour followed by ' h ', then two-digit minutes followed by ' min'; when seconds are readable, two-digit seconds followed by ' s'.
1 h 44 min
